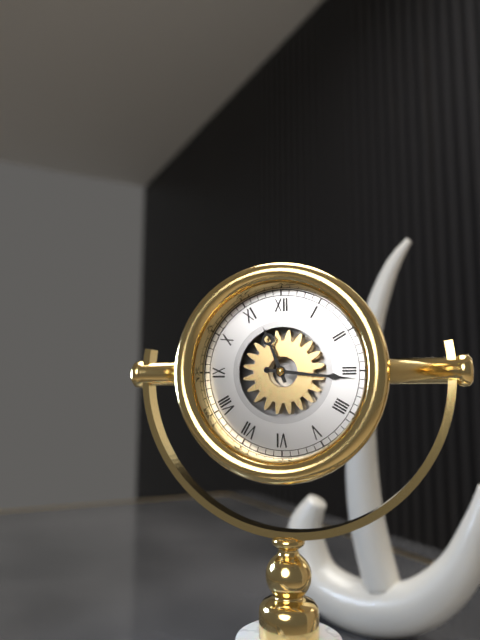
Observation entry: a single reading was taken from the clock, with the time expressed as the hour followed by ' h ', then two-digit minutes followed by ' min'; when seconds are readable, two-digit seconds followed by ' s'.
11 h 16 min
